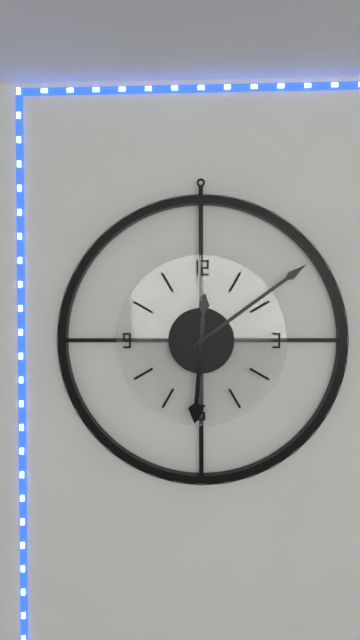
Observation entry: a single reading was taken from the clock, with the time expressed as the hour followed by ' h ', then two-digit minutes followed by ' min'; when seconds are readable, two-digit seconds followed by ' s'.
6 h 09 min
